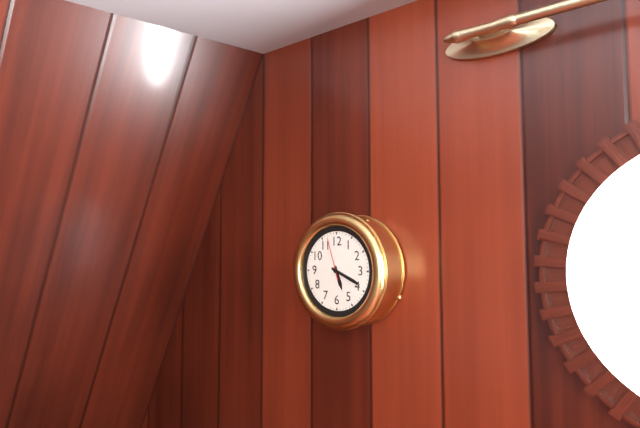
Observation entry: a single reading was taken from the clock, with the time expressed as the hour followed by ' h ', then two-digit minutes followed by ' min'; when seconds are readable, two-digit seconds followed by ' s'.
5 h 19 min
